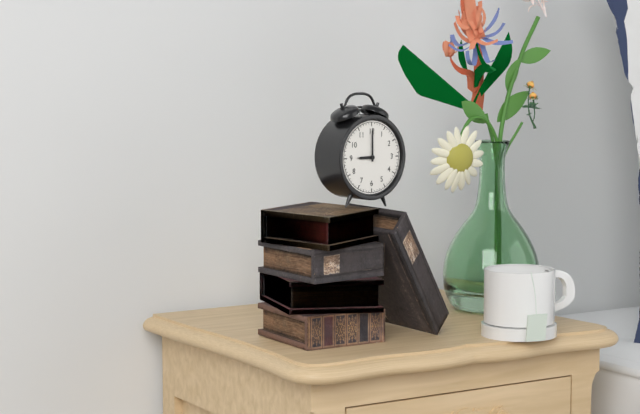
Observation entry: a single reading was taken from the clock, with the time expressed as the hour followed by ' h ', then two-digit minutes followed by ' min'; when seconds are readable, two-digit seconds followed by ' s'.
9 h 00 min
